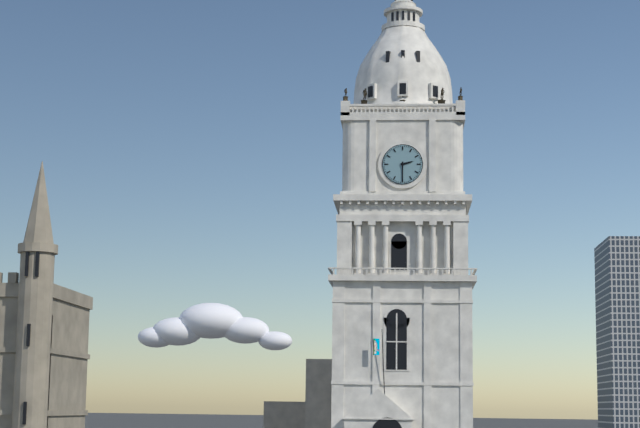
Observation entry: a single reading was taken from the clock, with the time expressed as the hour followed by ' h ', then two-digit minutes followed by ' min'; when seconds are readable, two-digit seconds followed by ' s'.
2 h 30 min
